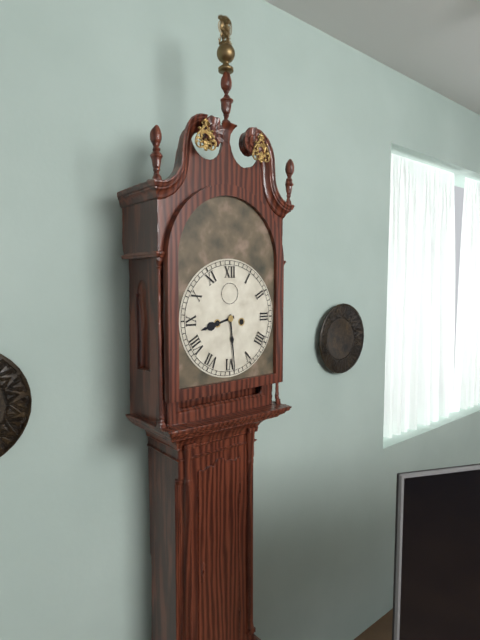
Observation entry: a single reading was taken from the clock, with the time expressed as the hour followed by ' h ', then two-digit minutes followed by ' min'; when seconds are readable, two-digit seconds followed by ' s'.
8 h 29 min
